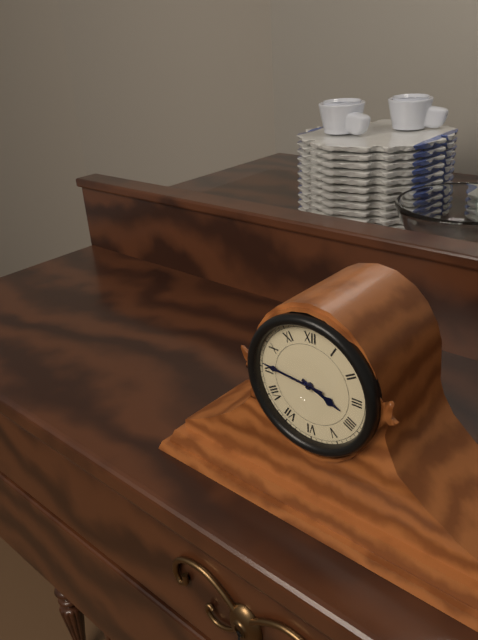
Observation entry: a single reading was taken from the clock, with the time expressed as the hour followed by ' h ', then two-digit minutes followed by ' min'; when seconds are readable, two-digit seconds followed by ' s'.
3 h 46 min
